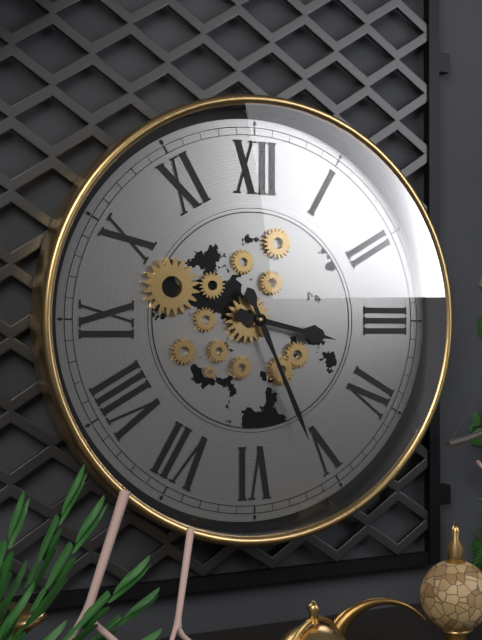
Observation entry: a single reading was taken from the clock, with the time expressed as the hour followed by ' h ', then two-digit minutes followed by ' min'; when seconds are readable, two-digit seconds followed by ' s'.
3 h 26 min
